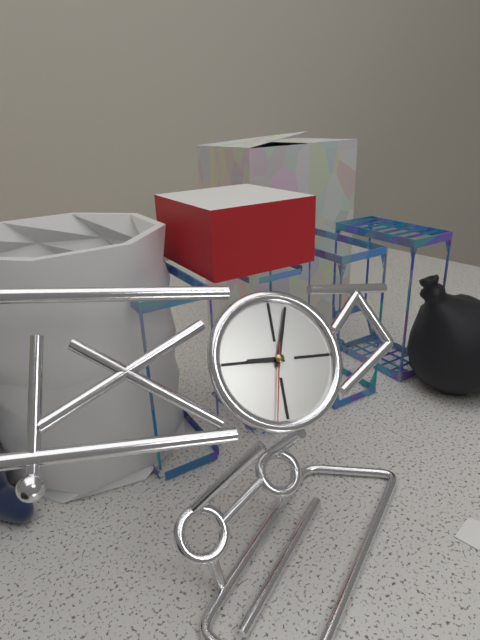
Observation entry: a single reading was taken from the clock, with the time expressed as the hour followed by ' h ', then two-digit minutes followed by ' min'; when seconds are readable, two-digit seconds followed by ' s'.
9 h 03 min 32 s
